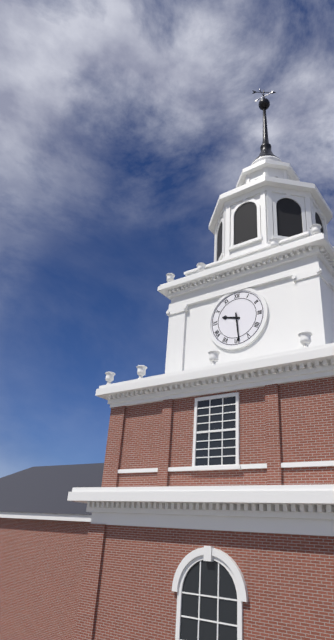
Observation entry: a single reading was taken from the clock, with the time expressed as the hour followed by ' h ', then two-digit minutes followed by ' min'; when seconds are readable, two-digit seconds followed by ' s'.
9 h 29 min
